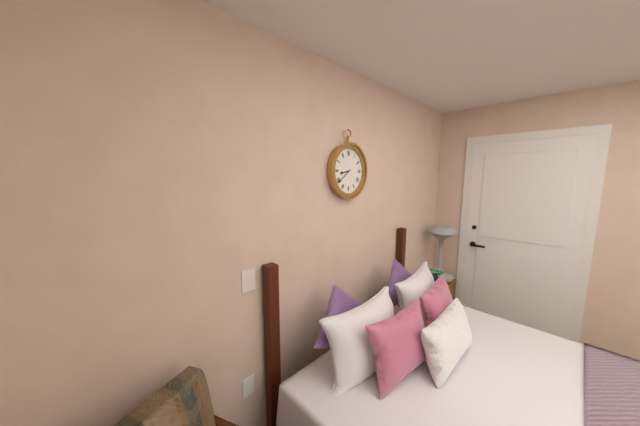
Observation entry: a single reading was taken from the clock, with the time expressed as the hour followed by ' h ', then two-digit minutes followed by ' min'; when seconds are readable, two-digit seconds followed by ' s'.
8 h 39 min
